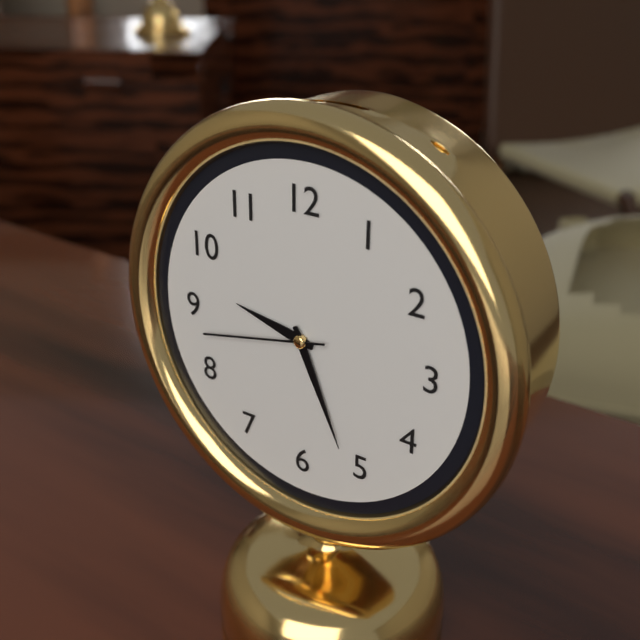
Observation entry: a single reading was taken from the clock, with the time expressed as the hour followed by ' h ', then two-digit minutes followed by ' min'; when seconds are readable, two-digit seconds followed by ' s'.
9 h 26 min 43 s
